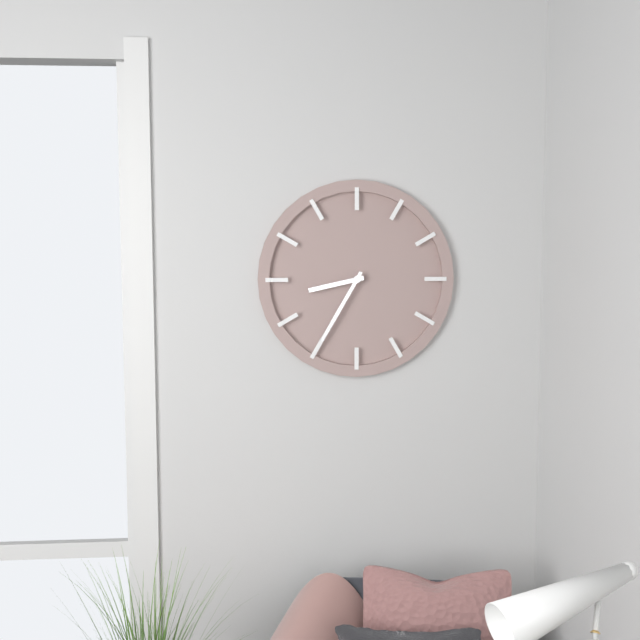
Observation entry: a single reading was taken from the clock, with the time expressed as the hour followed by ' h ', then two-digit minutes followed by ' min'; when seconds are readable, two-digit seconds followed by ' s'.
8 h 35 min
